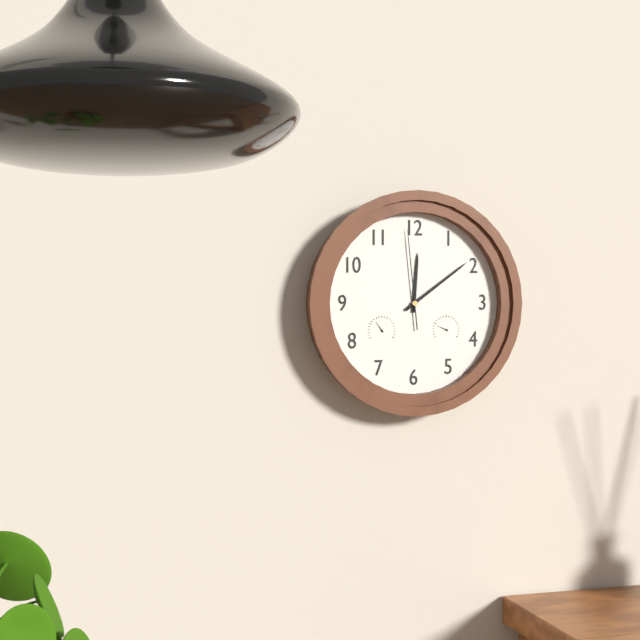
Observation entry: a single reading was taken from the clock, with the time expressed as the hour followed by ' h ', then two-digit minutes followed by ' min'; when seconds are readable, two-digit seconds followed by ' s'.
12 h 09 min 59 s
